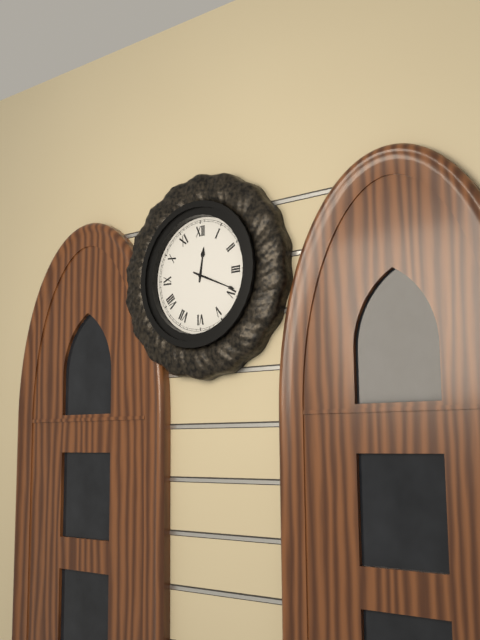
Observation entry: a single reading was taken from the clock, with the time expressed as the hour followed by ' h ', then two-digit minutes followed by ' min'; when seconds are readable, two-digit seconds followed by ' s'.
12 h 19 min
